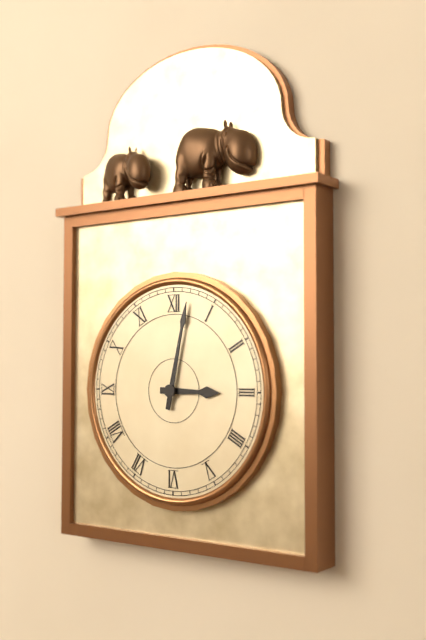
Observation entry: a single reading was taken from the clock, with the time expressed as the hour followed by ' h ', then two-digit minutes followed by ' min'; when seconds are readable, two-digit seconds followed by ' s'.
3 h 02 min
